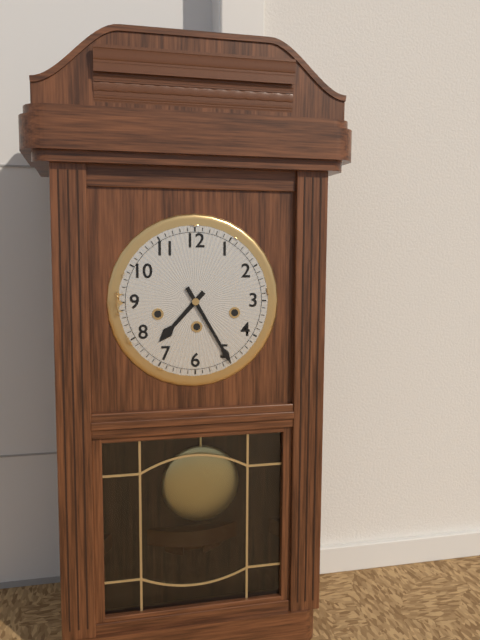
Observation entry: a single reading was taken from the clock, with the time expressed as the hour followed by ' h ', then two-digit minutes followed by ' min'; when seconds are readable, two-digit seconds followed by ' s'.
7 h 25 min
